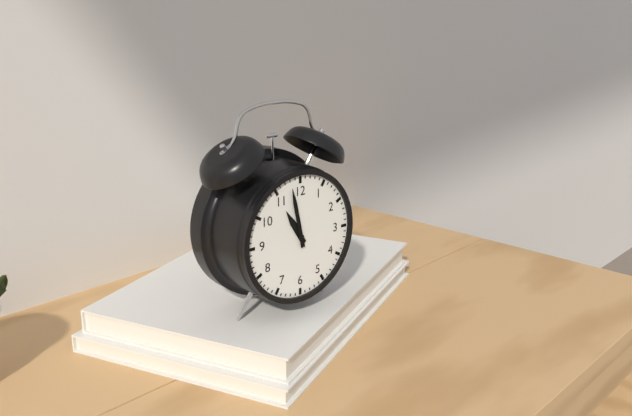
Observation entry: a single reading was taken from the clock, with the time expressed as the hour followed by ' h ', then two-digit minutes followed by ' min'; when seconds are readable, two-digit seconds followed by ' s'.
10 h 58 min
